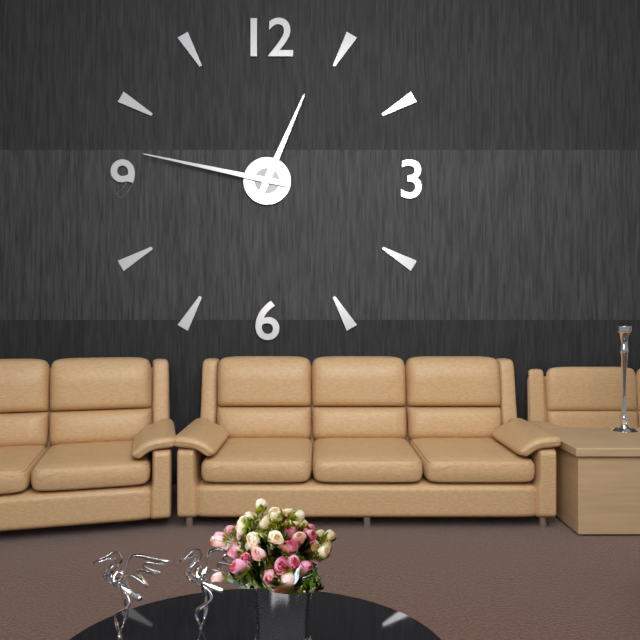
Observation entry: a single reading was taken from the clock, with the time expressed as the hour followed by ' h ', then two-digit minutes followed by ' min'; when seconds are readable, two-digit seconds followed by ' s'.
12 h 47 min
